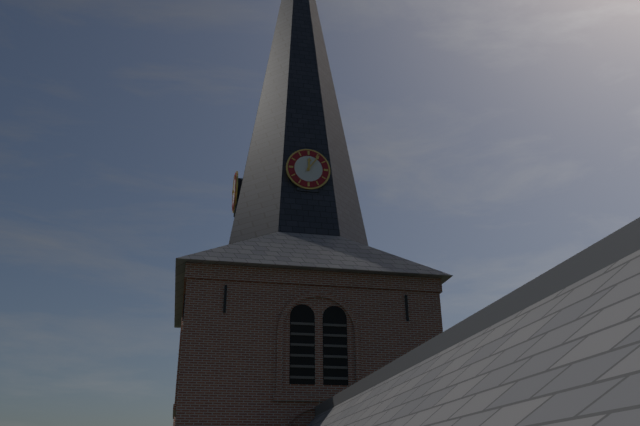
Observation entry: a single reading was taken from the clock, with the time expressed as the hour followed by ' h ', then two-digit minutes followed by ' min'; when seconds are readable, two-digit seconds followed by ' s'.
12 h 06 min
